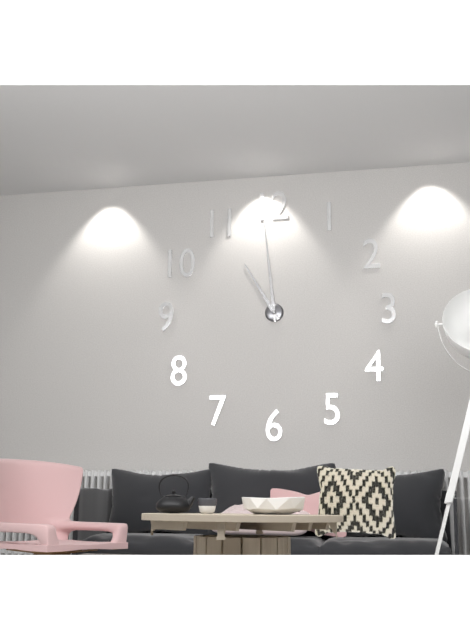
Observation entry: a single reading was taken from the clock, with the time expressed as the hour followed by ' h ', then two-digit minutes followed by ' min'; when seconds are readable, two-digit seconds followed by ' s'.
10 h 59 min
